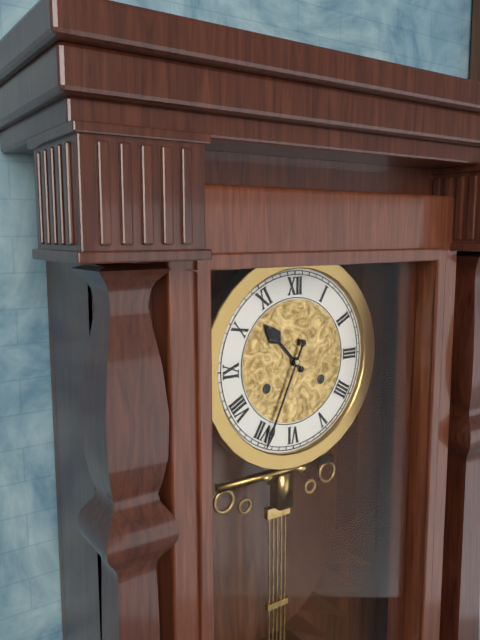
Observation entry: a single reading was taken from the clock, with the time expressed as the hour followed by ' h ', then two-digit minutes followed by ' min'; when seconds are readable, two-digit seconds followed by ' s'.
10 h 34 min
